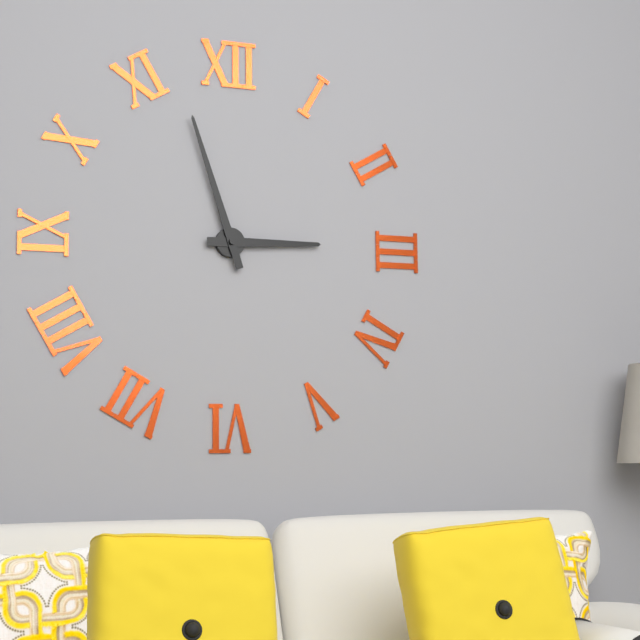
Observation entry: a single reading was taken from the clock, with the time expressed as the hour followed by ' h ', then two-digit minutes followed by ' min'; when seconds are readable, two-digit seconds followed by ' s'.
2 h 57 min
